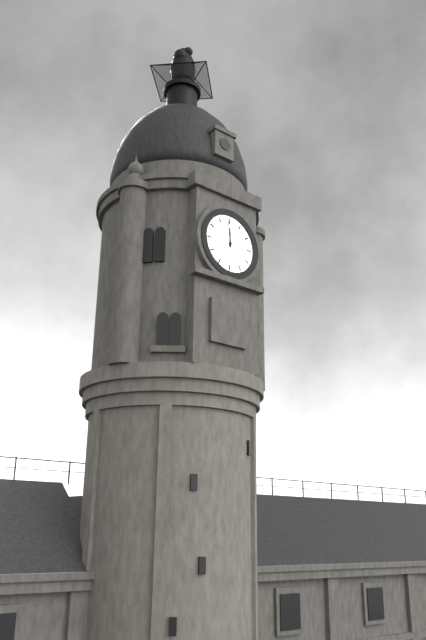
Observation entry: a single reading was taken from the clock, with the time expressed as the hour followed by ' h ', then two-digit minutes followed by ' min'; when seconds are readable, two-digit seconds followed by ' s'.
11 h 59 min
